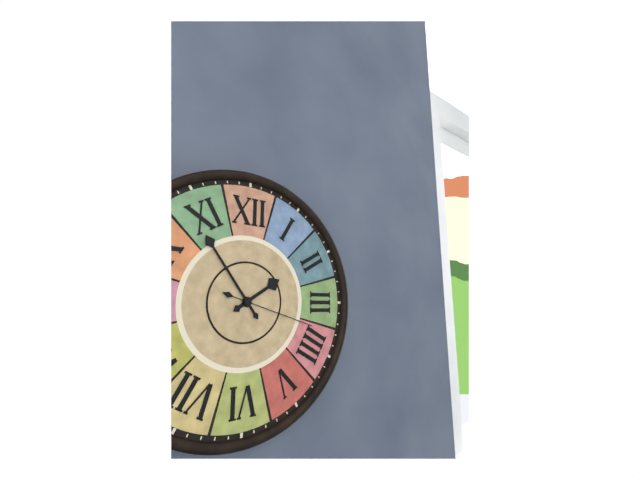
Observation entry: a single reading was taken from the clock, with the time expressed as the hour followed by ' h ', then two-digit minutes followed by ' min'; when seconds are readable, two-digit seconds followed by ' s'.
1 h 54 min 18 s
